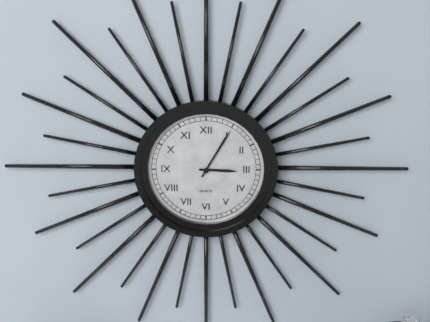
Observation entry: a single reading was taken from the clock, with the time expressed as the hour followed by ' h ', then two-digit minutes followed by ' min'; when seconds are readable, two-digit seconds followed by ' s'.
3 h 05 min
